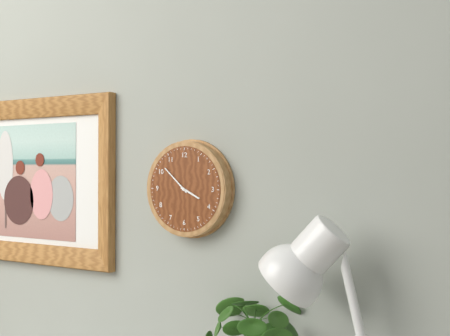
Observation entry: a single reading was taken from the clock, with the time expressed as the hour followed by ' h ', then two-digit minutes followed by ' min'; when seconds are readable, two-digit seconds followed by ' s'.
3 h 52 min
